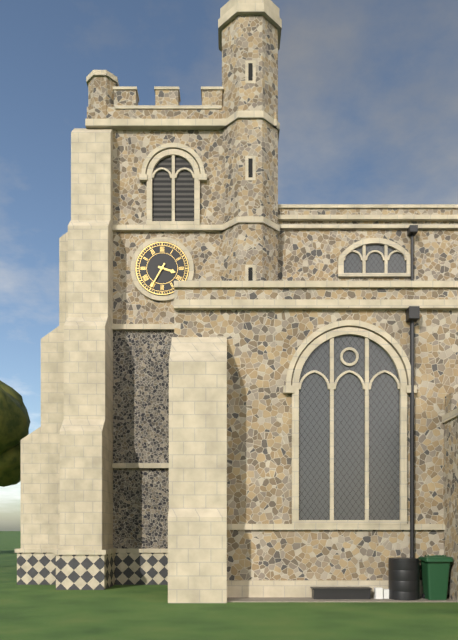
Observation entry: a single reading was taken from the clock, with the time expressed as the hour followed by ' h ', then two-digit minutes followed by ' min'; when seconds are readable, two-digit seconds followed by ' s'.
3 h 35 min
